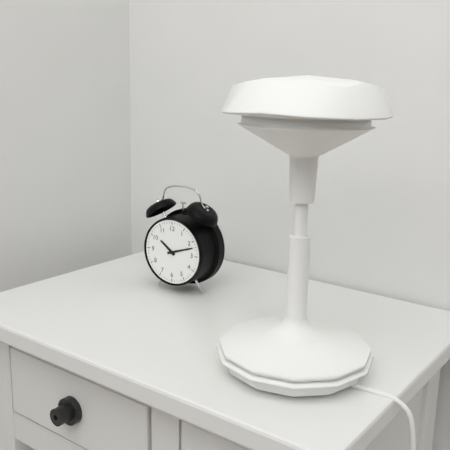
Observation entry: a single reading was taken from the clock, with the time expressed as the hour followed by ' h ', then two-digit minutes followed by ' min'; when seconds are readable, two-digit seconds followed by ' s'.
10 h 12 min
